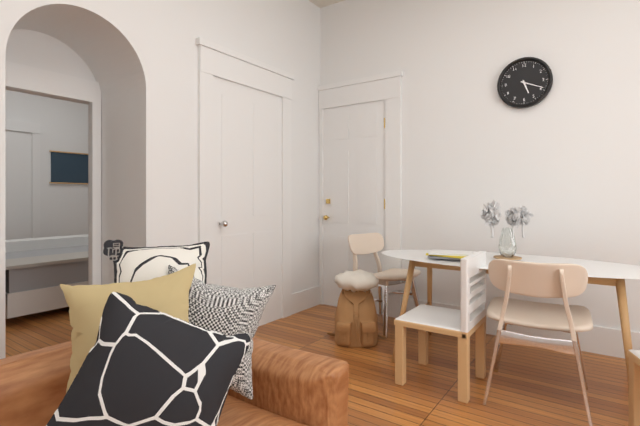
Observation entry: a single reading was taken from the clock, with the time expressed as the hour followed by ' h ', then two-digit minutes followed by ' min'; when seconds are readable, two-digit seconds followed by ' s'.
5 h 19 min
